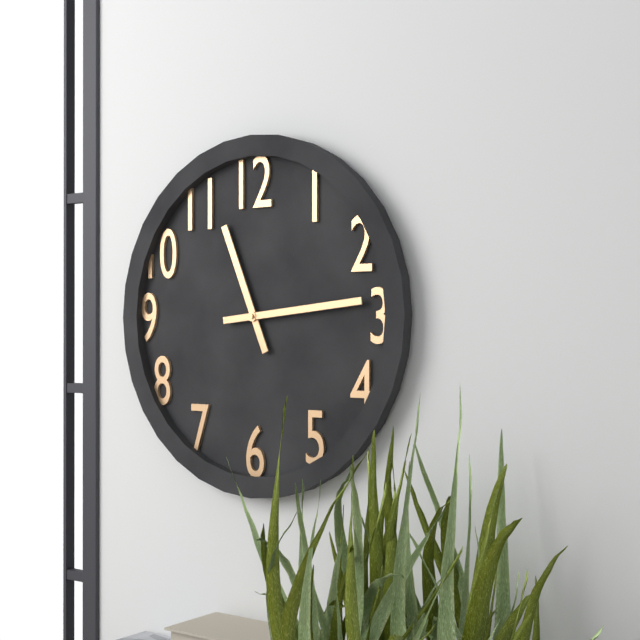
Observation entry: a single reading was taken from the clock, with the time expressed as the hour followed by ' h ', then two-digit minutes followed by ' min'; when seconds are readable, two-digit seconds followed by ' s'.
11 h 14 min
